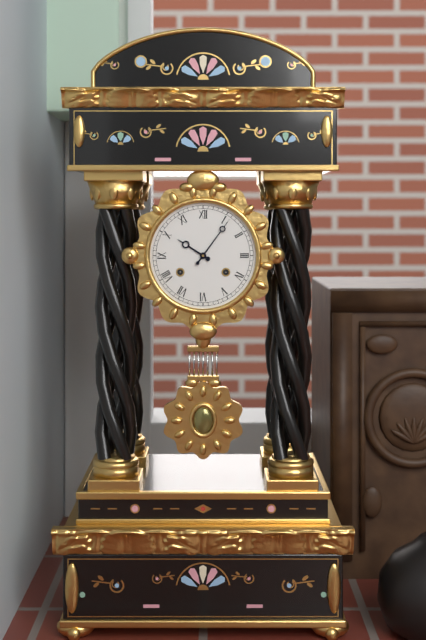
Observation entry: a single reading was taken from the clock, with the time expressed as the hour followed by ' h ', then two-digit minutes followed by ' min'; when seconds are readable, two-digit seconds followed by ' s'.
10 h 06 min
